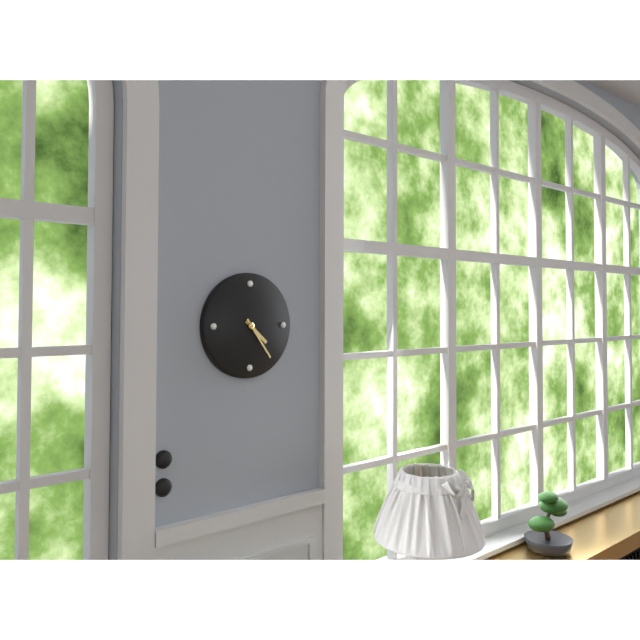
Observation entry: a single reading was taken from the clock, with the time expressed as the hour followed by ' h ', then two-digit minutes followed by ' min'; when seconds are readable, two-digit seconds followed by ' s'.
4 h 24 min
